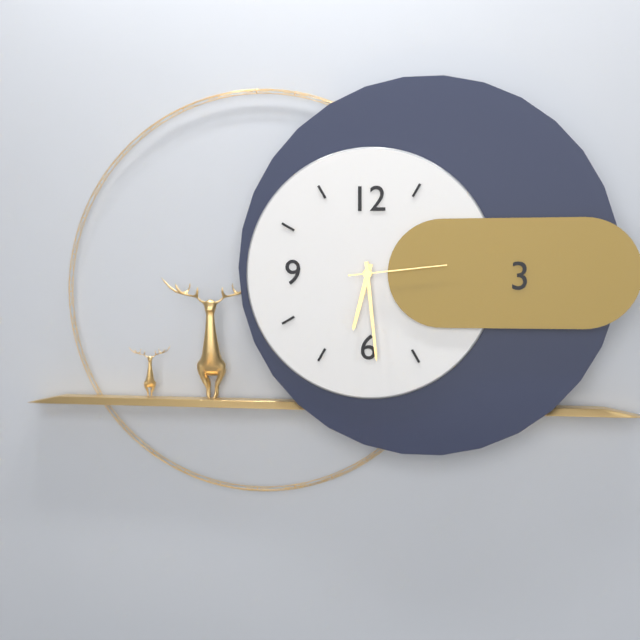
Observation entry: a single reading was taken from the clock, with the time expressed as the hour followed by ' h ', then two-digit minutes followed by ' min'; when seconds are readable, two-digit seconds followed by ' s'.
6 h 29 min 14 s
